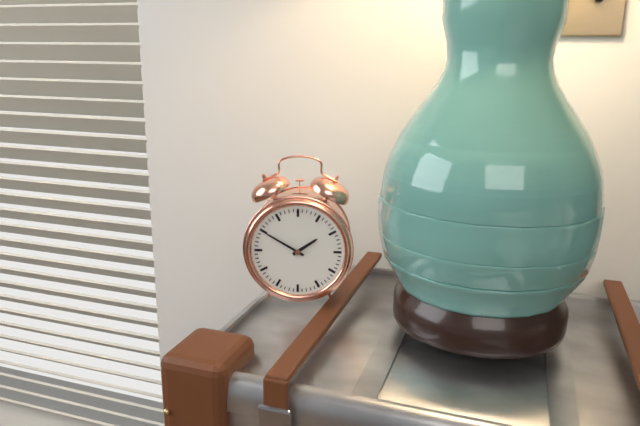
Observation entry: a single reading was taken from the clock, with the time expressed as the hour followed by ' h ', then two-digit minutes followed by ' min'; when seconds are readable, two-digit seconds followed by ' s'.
1 h 50 min
